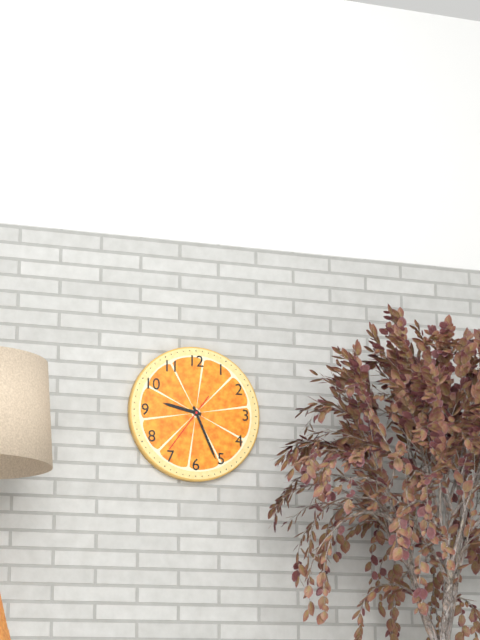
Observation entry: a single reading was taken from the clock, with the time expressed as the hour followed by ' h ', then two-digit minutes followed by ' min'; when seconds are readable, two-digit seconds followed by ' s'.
9 h 26 min 36 s
